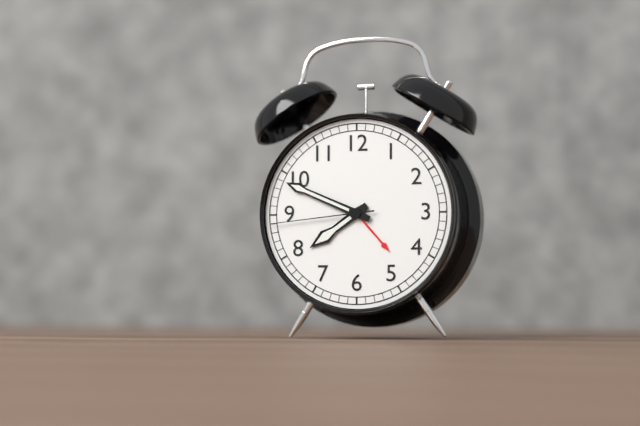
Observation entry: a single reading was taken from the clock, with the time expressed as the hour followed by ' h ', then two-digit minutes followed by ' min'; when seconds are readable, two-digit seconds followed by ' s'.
7 h 49 min 44 s
